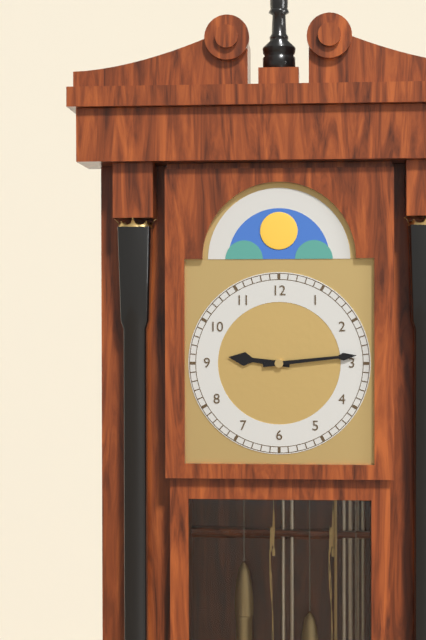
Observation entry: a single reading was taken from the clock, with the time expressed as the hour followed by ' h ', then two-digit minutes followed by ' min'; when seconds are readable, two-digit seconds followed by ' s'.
9 h 14 min
